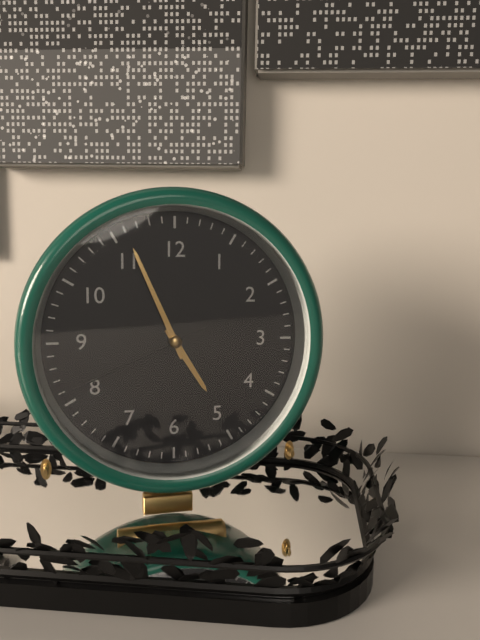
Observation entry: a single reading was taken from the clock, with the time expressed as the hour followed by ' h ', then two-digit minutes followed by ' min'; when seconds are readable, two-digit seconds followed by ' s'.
4 h 56 min 41 s
